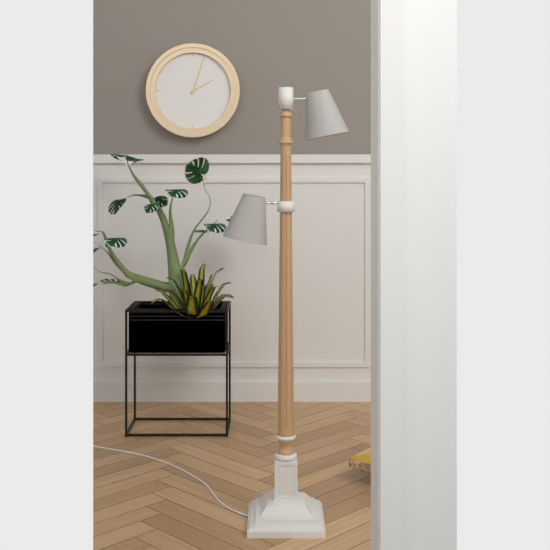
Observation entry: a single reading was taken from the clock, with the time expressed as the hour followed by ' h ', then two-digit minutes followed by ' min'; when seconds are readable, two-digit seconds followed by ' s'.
2 h 03 min
